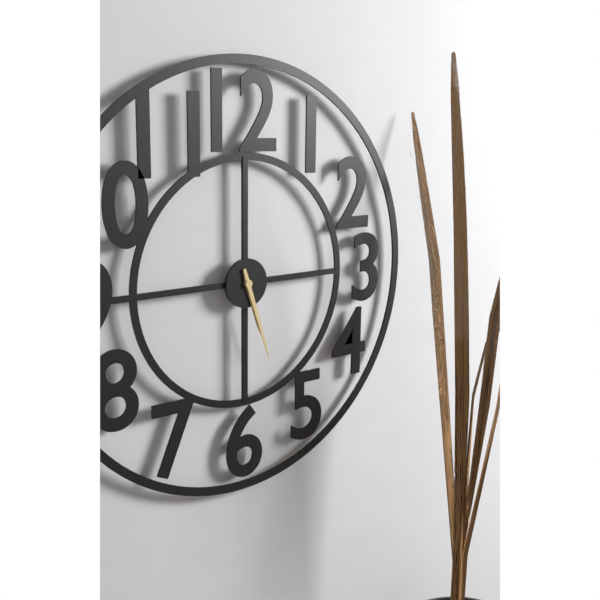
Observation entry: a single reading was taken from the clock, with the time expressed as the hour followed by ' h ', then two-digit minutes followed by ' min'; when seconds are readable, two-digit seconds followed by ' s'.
5 h 27 min
